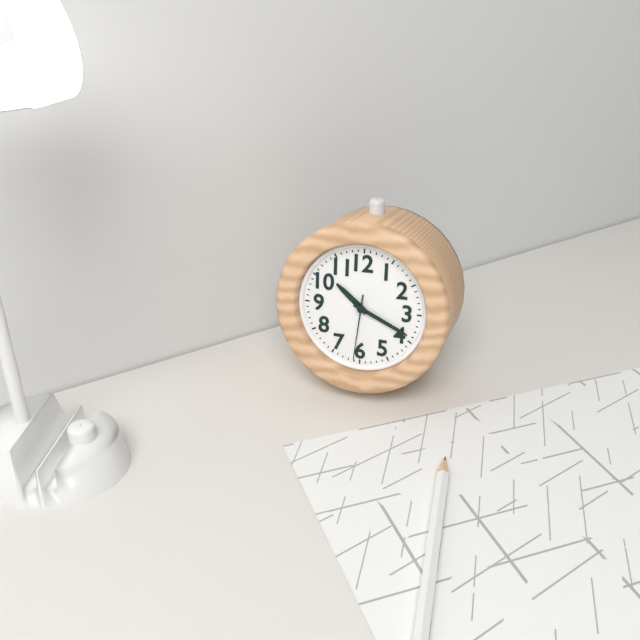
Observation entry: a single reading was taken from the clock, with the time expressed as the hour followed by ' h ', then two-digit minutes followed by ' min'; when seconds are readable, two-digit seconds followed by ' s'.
10 h 19 min 31 s
